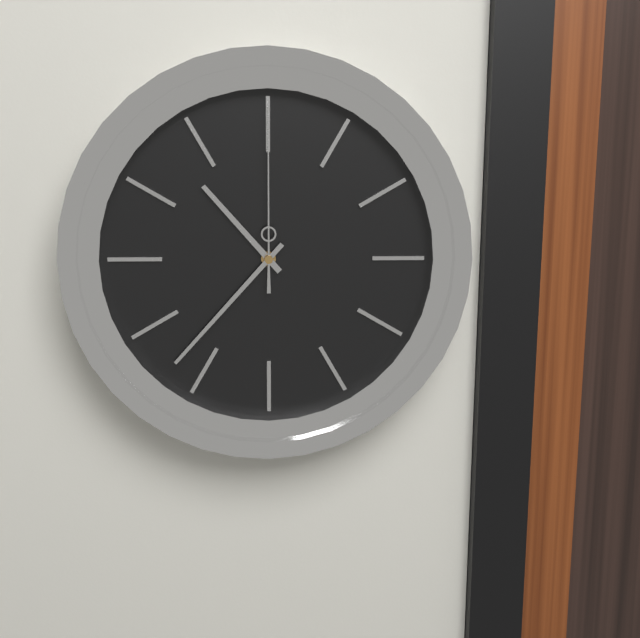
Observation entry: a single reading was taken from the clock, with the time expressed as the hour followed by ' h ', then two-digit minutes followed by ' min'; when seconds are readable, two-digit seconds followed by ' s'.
10 h 37 min 00 s
